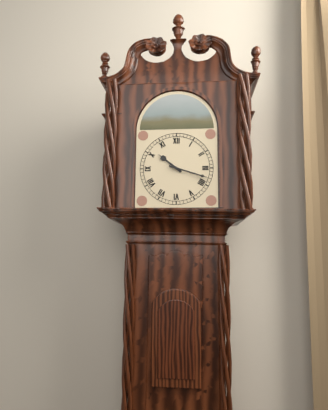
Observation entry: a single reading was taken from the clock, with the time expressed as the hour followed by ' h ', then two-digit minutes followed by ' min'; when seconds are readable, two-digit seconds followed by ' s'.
10 h 18 min
